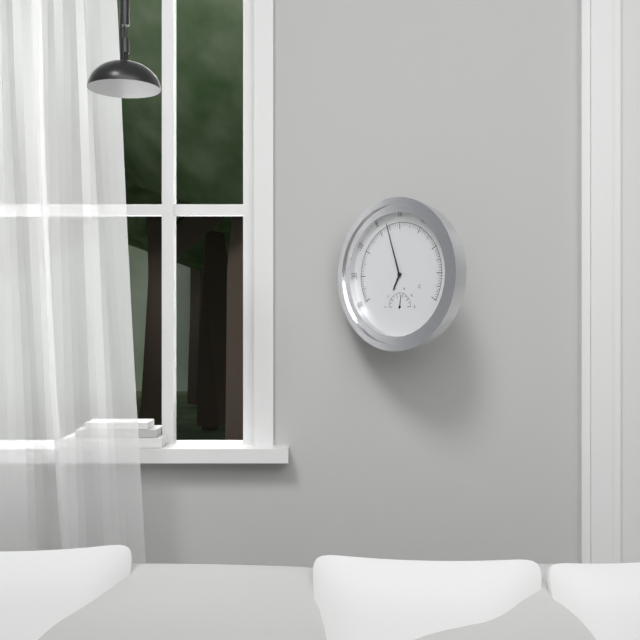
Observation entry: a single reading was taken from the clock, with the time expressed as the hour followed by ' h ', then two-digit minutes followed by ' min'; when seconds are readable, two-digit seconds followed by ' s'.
6 h 57 min
